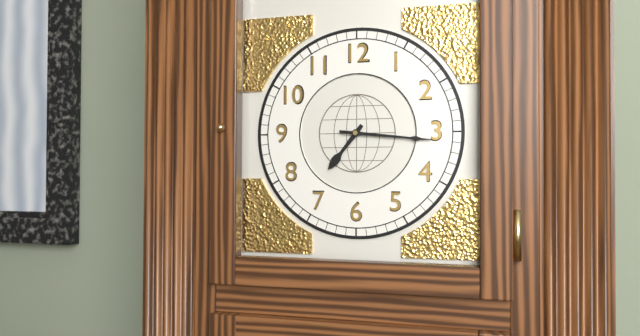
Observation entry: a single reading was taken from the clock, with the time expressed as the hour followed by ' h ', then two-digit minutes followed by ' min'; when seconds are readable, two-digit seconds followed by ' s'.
7 h 16 min
